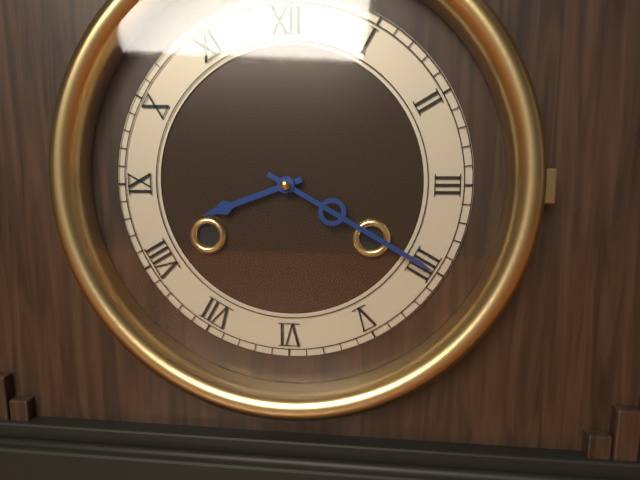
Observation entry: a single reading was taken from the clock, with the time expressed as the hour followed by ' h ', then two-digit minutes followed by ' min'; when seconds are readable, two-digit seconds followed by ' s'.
8 h 20 min
